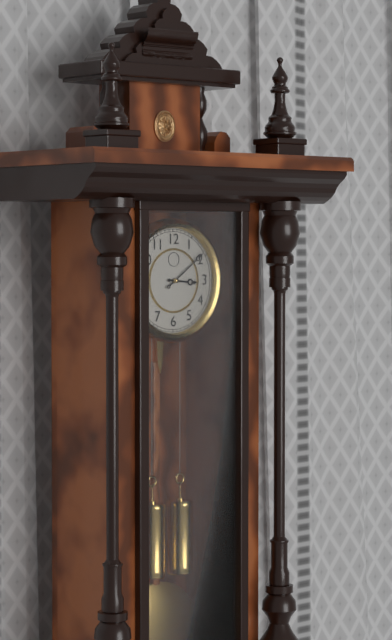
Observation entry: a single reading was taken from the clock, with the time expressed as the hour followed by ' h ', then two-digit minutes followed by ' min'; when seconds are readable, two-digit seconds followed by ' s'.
3 h 09 min
